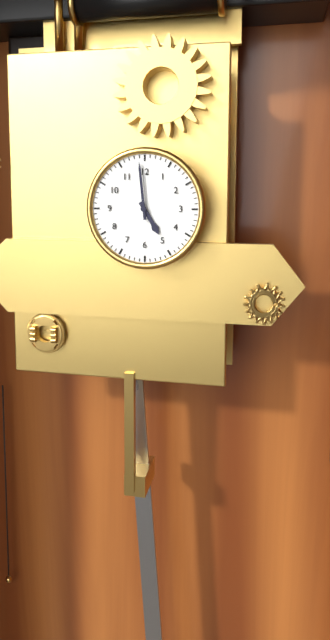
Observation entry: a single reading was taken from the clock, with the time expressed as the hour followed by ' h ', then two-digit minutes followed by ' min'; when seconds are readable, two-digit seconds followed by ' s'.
4 h 59 min
